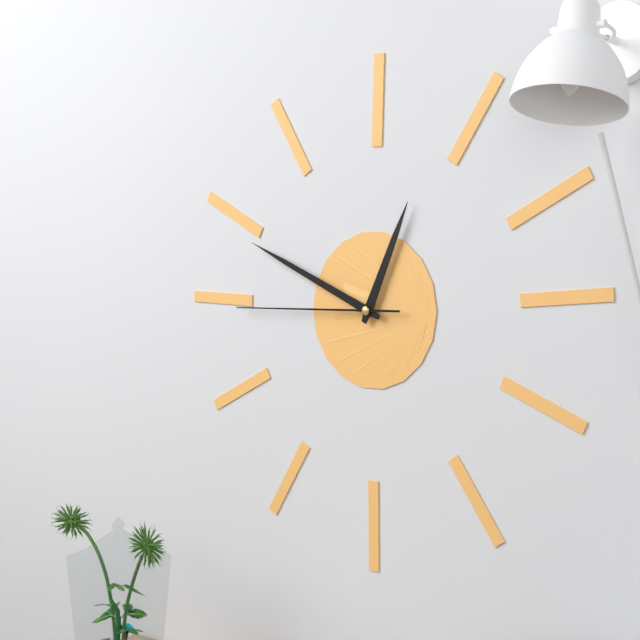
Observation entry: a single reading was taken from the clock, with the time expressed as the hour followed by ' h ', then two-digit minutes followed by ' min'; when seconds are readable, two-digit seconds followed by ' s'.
12 h 49 min 45 s
